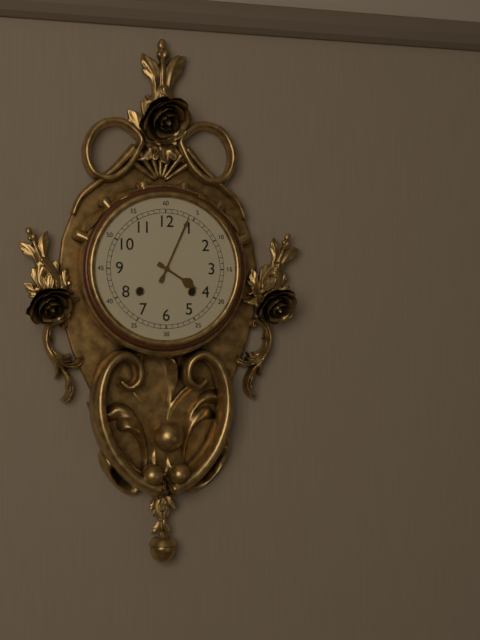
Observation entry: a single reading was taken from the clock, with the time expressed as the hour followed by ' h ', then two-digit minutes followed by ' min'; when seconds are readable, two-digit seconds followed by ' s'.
4 h 04 min
